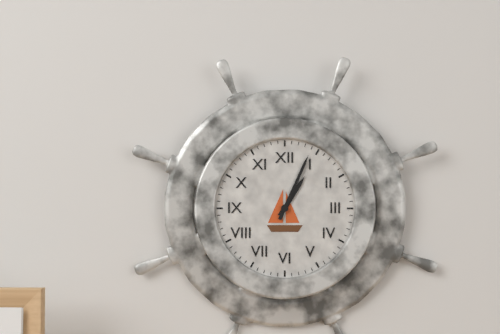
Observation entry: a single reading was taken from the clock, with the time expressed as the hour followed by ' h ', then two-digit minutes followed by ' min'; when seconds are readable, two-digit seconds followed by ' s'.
1 h 04 min
